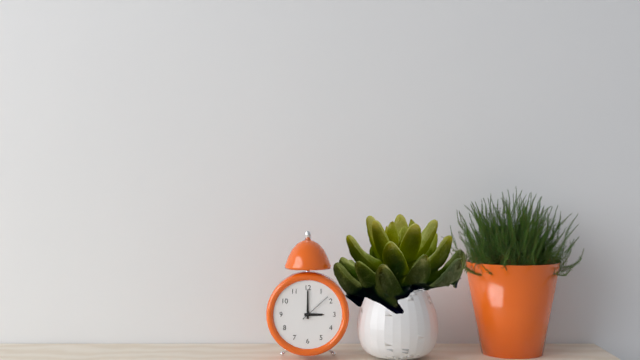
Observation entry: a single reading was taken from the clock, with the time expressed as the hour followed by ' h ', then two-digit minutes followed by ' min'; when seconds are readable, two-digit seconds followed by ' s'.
3 h 00 min
